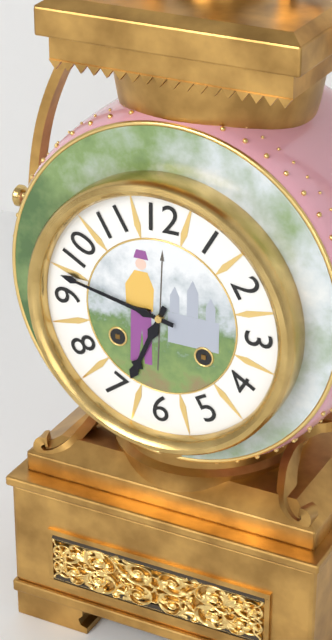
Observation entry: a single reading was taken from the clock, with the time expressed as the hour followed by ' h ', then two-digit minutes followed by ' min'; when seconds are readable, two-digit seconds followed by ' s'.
6 h 47 min
